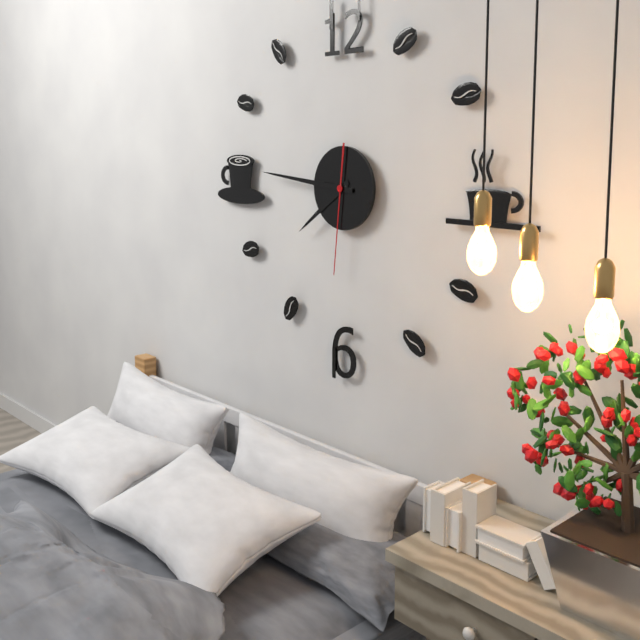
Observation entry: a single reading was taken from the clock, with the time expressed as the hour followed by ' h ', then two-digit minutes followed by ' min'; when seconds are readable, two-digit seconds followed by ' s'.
7 h 46 min 31 s
